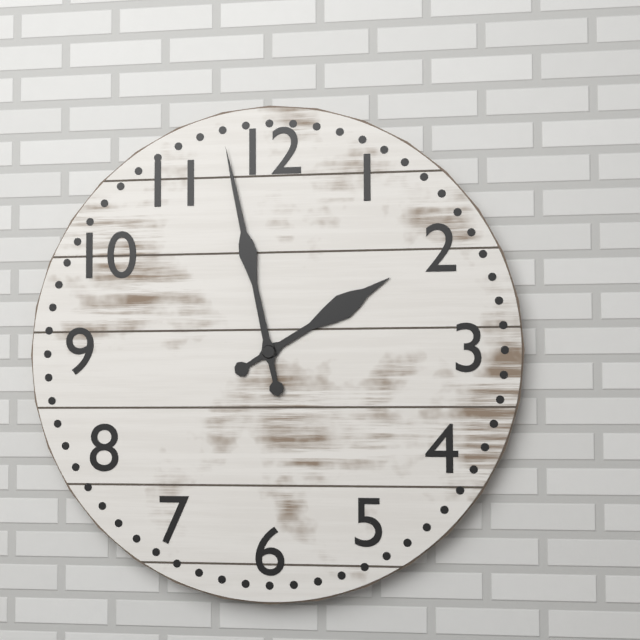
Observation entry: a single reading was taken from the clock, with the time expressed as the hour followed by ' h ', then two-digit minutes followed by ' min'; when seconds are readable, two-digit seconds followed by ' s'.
1 h 58 min
